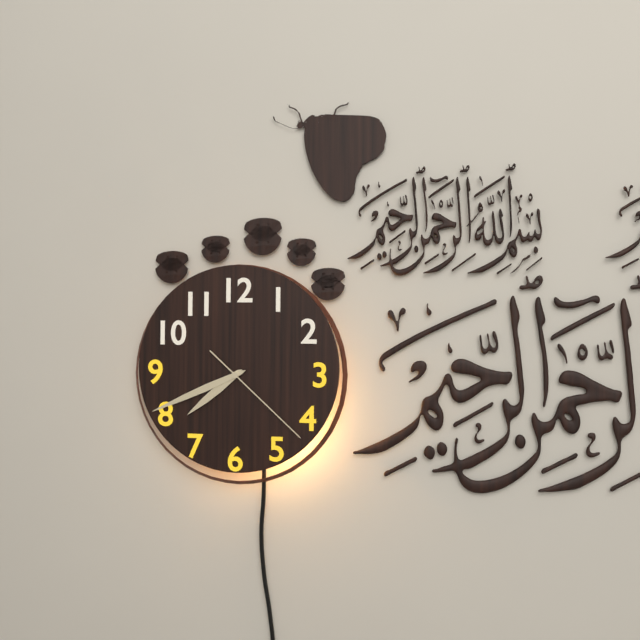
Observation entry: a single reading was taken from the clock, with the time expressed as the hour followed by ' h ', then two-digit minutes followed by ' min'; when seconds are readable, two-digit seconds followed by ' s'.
7 h 41 min 22 s
